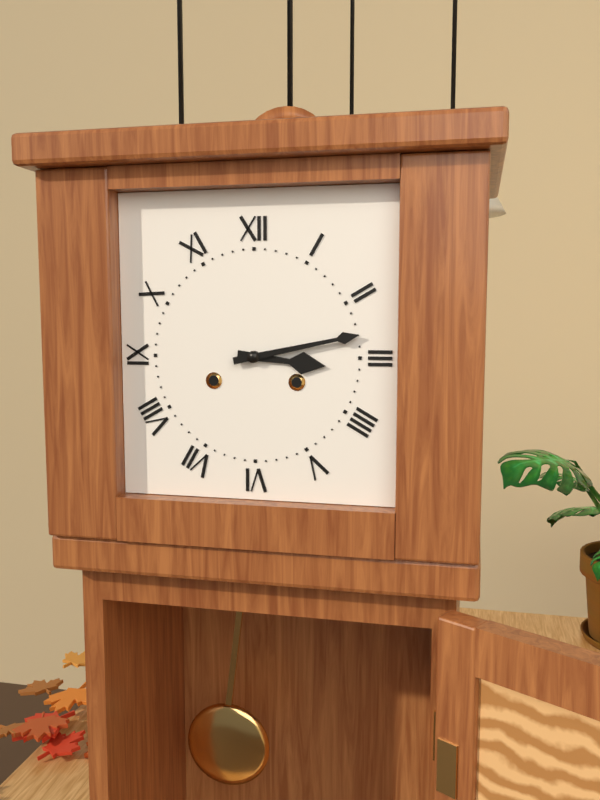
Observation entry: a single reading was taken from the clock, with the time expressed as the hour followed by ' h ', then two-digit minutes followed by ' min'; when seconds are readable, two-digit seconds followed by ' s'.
3 h 13 min
